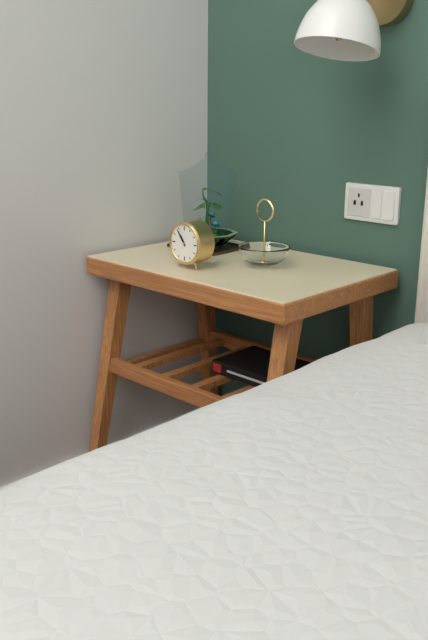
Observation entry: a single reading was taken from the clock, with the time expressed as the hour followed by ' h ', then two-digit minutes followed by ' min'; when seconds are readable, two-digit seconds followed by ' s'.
10 h 54 min
